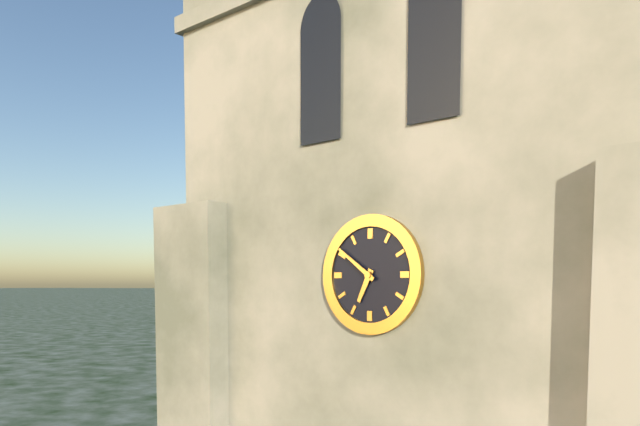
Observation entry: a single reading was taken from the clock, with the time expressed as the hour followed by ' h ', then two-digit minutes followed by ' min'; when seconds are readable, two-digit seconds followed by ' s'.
6 h 51 min
